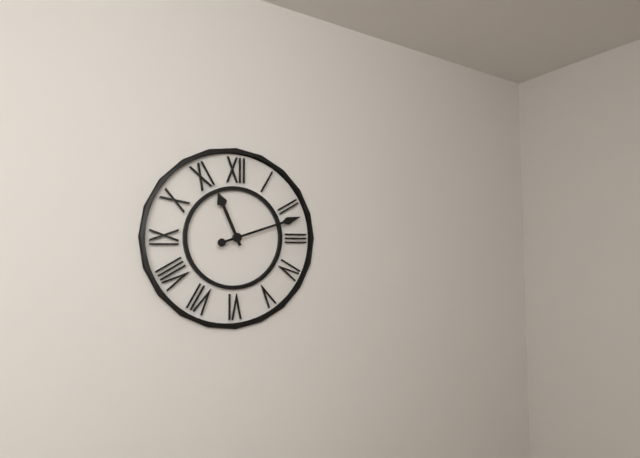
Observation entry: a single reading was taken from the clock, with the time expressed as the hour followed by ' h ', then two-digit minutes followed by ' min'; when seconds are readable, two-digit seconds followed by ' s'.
11 h 12 min
